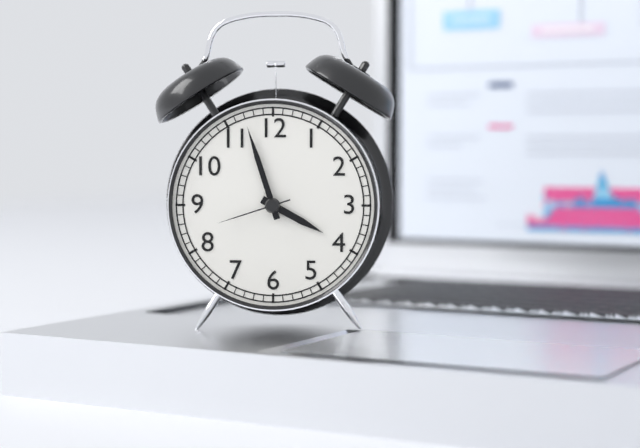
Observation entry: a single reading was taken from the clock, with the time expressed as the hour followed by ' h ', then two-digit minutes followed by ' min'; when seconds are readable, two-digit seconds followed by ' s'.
3 h 57 min 42 s
